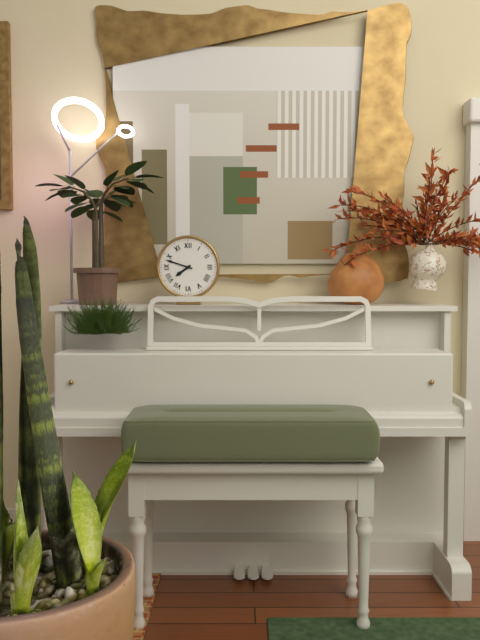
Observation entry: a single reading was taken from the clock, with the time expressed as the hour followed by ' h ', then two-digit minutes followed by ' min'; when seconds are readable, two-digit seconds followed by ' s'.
7 h 48 min
